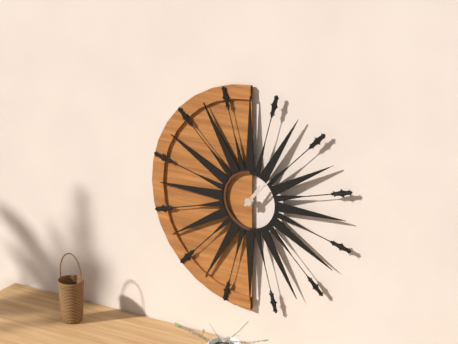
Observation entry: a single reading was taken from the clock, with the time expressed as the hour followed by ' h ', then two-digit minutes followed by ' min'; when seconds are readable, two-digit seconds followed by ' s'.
1 h 07 min
